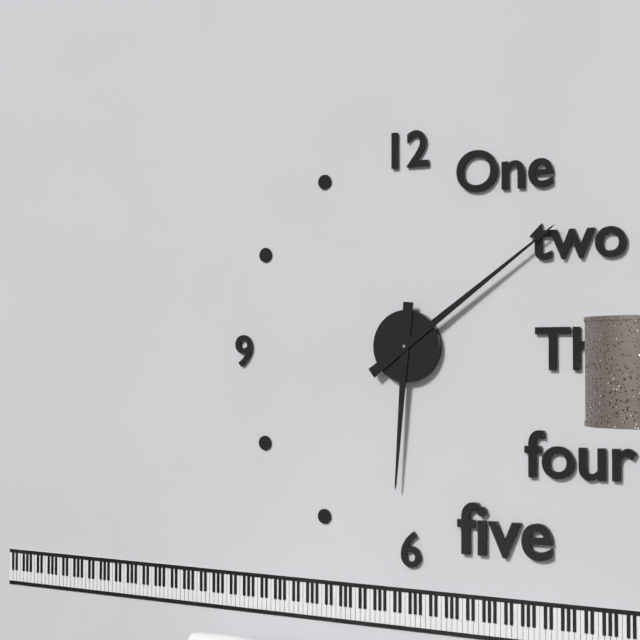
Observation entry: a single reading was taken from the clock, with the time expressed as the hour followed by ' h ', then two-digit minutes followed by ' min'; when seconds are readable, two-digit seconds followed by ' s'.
6 h 09 min
